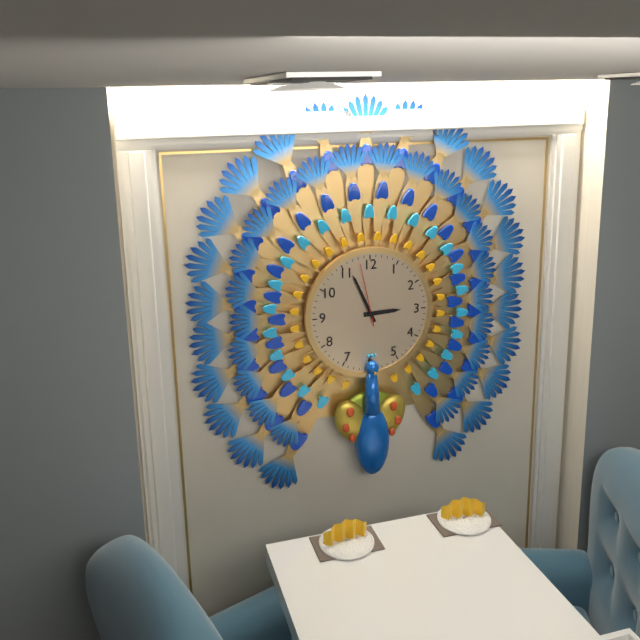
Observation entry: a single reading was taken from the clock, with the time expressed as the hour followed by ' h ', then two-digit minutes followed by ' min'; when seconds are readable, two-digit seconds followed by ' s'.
2 h 56 min 58 s
